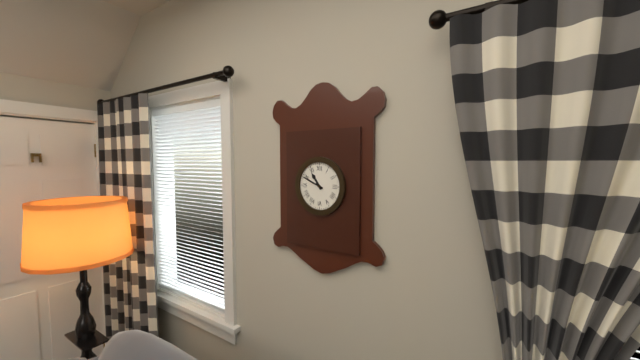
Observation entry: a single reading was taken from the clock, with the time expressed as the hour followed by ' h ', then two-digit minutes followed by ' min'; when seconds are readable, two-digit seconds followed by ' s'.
10 h 49 min
